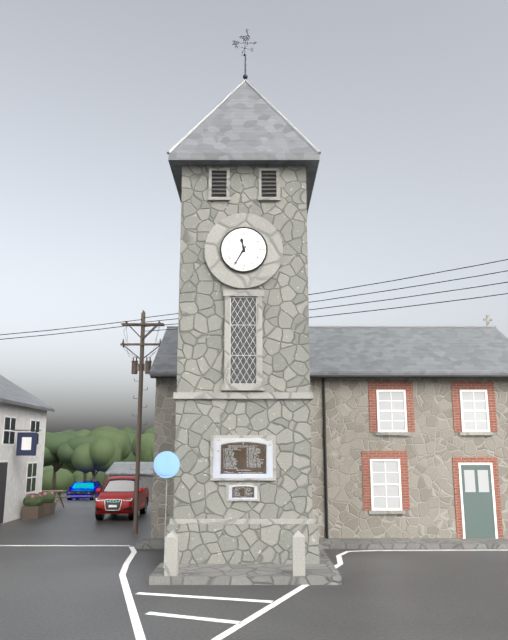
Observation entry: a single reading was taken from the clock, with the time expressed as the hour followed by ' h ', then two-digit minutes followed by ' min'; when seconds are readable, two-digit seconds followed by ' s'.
11 h 35 min
